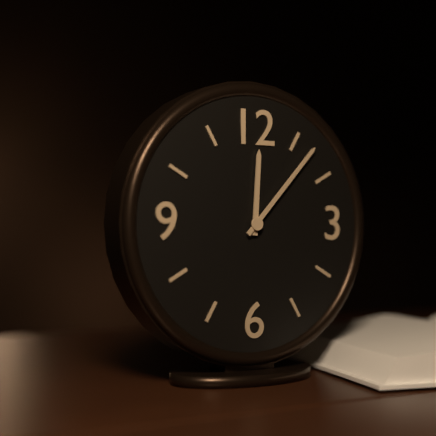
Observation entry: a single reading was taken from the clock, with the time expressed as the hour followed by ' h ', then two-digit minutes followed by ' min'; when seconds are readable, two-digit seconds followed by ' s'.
12 h 07 min
